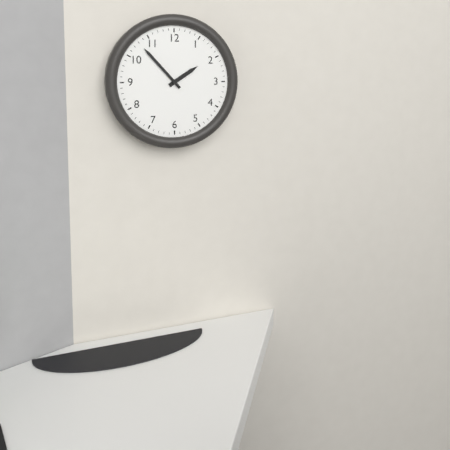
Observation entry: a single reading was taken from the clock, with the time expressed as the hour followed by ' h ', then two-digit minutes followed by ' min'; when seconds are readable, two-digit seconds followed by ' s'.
1 h 53 min
